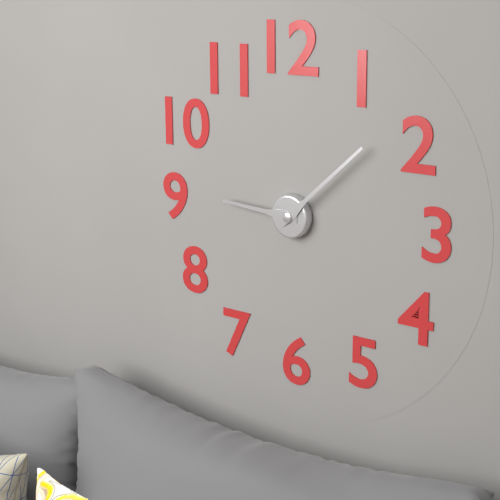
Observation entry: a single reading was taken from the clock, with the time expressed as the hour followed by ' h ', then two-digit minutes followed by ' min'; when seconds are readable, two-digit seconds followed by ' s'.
9 h 08 min
